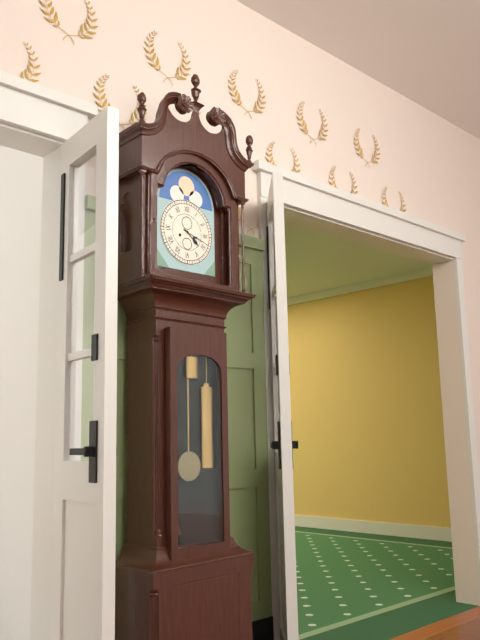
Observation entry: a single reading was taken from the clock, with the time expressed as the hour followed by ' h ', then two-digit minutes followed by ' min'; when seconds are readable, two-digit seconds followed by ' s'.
4 h 18 min
